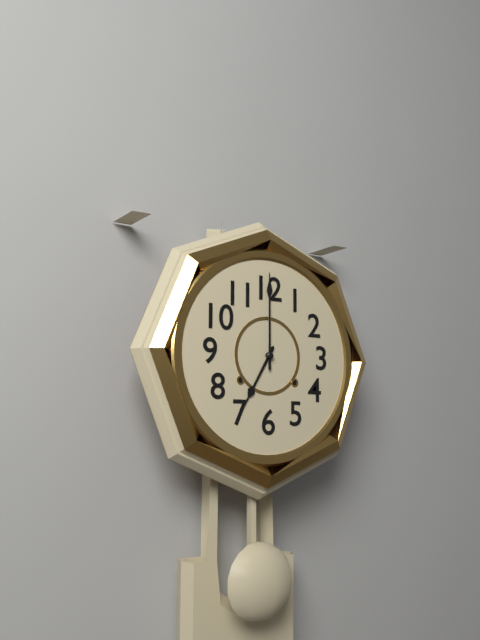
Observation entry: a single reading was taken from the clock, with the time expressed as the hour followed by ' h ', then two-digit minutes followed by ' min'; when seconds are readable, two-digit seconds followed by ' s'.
7 h 00 min
